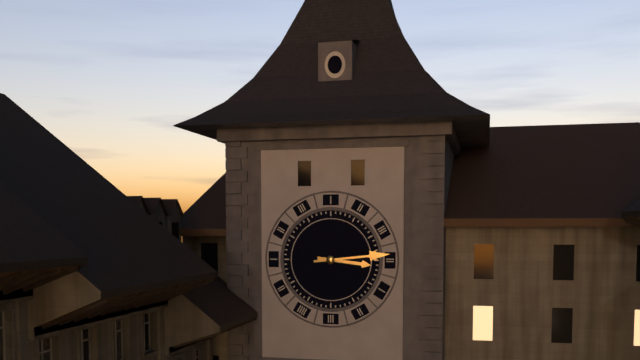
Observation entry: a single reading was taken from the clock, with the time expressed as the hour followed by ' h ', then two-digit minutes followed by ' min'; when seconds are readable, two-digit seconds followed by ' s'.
3 h 14 min
